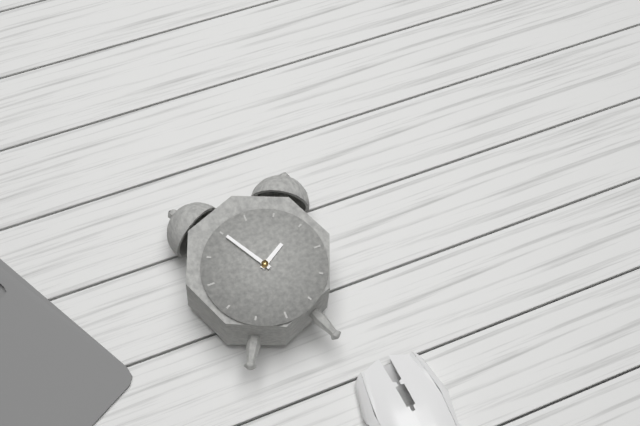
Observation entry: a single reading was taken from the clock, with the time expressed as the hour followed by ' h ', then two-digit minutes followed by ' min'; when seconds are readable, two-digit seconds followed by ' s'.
1 h 55 min
